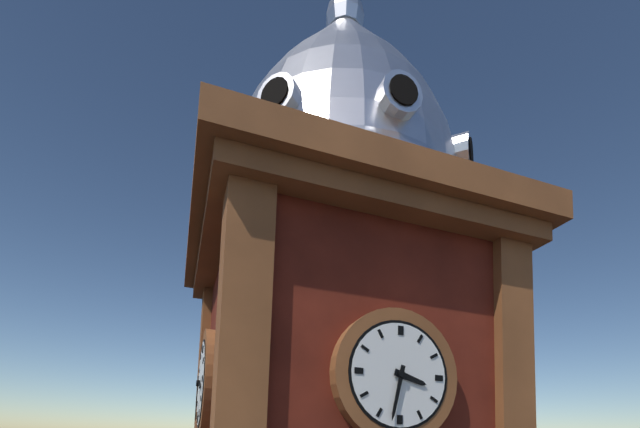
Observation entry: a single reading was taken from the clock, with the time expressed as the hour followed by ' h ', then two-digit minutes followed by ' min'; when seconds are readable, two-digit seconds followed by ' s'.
3 h 32 min
